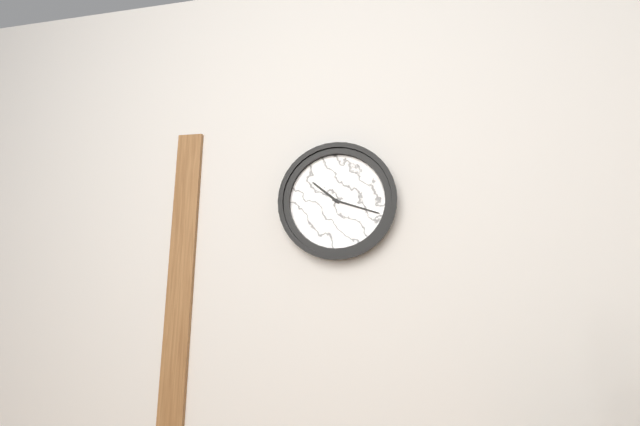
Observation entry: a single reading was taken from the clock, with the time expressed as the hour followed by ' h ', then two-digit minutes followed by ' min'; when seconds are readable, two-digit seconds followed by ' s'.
10 h 18 min
